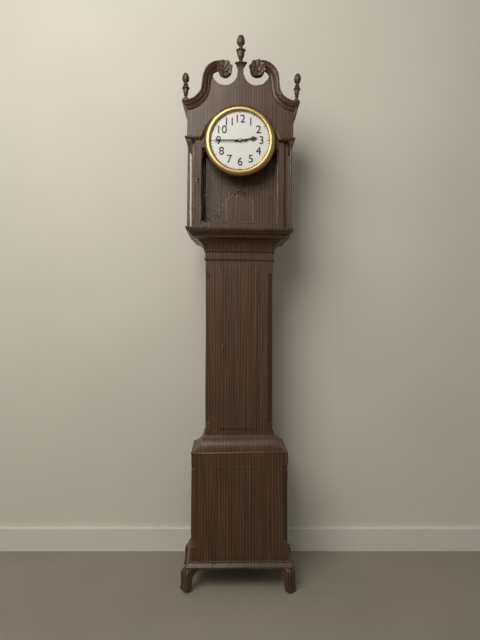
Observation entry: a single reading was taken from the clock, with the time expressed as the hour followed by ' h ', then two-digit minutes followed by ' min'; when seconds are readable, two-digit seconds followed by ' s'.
2 h 45 min
